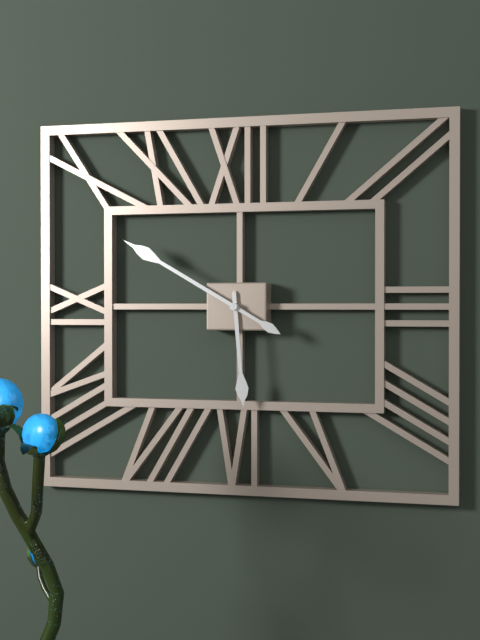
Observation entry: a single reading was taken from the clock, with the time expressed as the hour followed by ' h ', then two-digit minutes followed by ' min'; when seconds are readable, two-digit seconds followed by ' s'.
5 h 50 min
